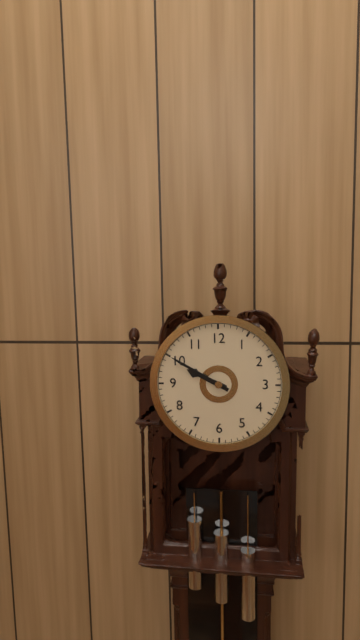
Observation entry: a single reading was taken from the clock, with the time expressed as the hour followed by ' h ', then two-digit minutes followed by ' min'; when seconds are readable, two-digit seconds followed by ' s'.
9 h 50 min
